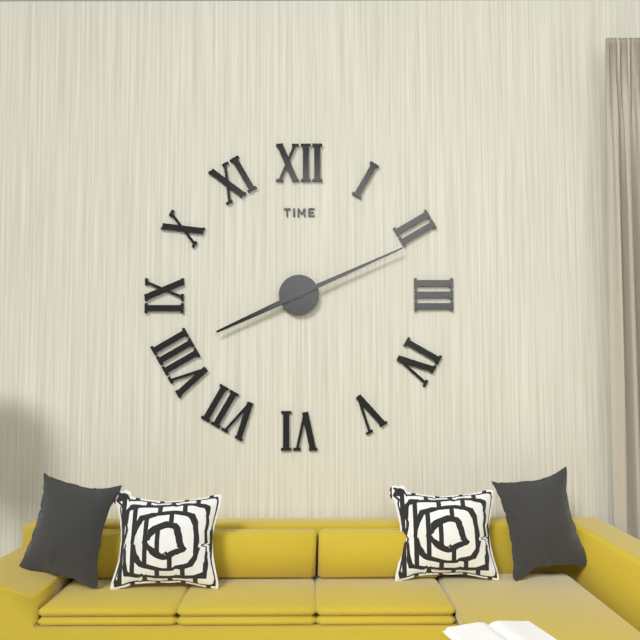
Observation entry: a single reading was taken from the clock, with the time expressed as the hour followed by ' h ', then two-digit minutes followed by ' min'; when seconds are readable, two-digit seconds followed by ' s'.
8 h 11 min
